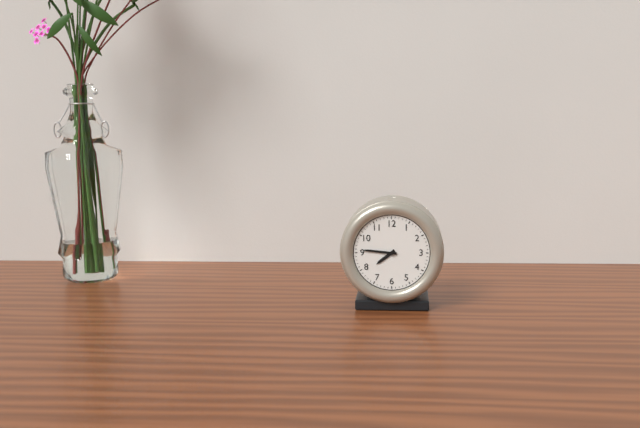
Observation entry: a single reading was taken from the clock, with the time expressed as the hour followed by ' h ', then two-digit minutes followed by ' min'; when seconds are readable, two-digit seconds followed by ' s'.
7 h 46 min
